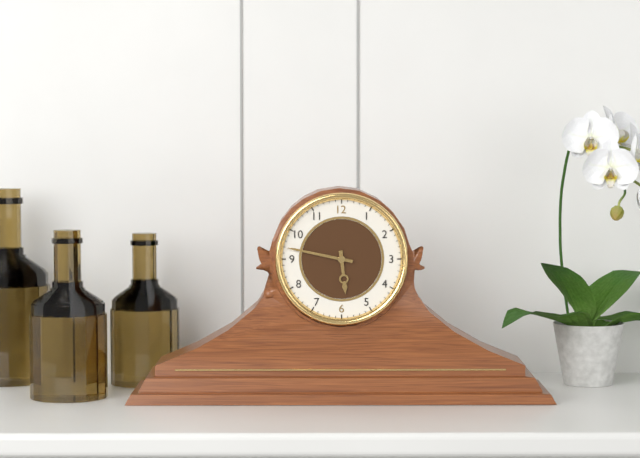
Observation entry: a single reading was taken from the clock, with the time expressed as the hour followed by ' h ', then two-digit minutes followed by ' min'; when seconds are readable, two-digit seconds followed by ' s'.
5 h 47 min
